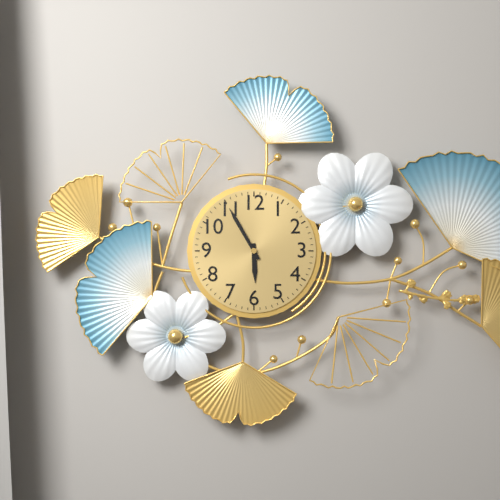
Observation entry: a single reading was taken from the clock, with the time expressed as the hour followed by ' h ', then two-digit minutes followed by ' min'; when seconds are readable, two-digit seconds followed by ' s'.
5 h 55 min
